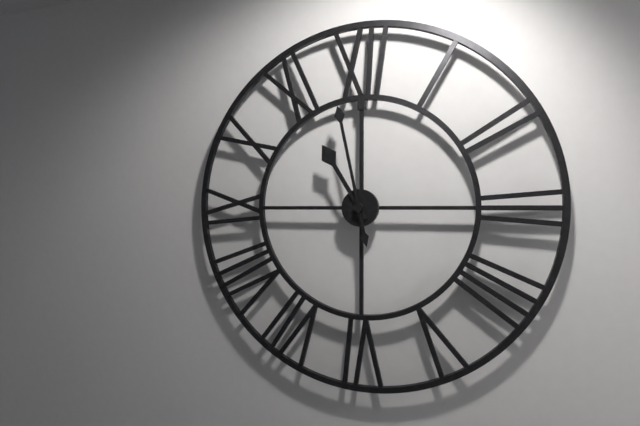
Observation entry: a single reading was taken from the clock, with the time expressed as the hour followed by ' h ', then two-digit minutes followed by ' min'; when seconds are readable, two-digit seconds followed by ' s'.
10 h 58 min
